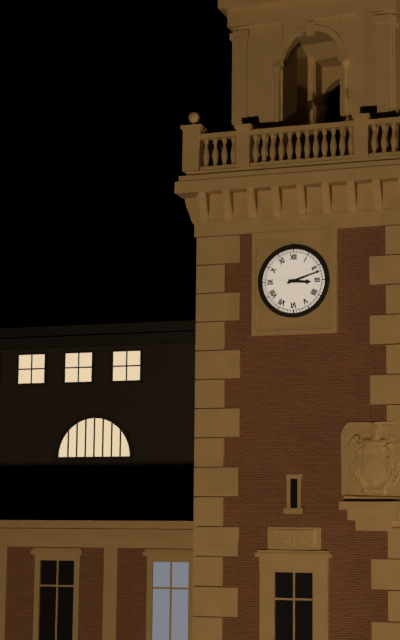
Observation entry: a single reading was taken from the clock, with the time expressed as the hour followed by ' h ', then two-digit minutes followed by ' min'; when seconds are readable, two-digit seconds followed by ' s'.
3 h 12 min
